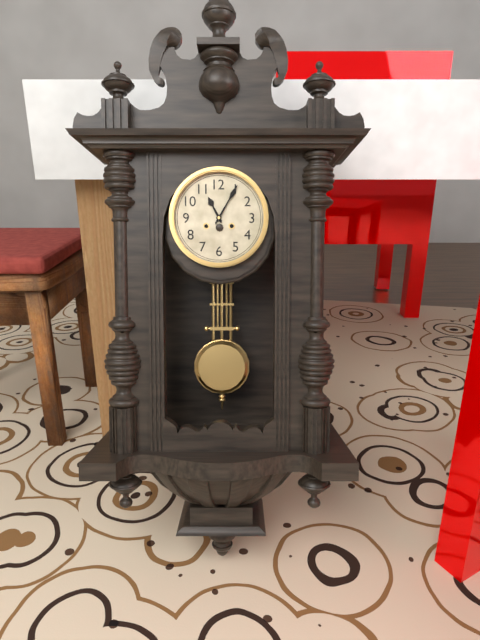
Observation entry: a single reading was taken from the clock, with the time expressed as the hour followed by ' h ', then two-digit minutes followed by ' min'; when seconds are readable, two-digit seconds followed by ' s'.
11 h 05 min
